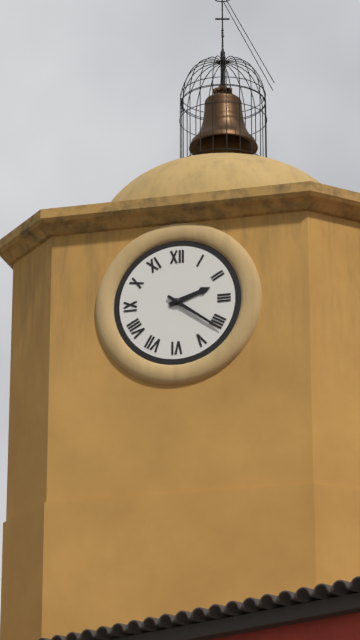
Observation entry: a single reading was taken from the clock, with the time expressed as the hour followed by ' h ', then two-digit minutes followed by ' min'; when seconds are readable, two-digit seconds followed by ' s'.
2 h 21 min
